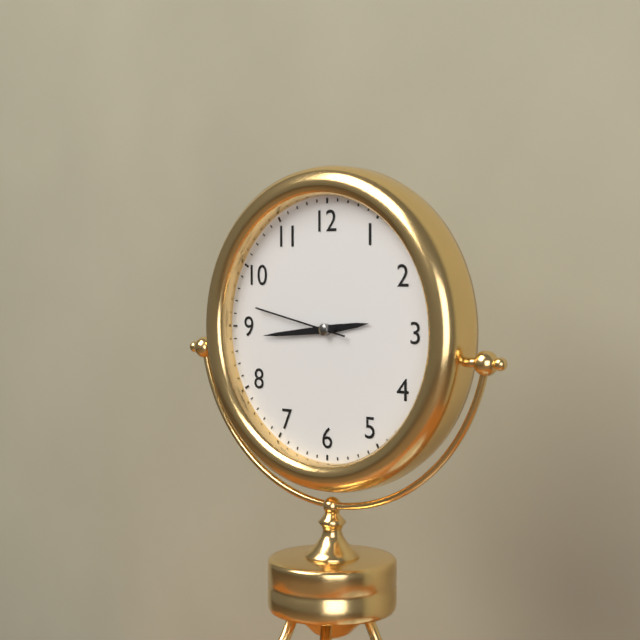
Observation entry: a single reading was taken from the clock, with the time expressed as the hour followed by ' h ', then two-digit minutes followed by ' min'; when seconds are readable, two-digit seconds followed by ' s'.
2 h 44 min 47 s
